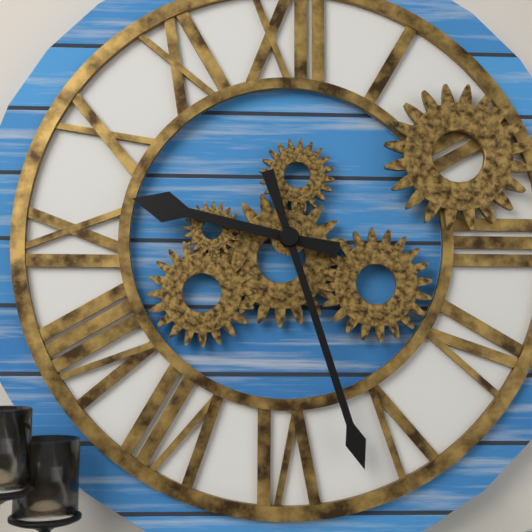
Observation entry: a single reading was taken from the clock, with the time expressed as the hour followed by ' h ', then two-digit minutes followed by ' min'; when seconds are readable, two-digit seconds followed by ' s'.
9 h 27 min
